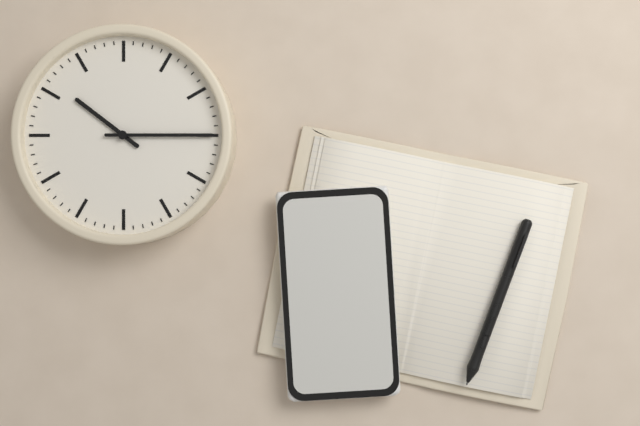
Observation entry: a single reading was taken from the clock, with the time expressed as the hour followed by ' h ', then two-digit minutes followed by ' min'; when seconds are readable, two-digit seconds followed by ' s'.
10 h 15 min
